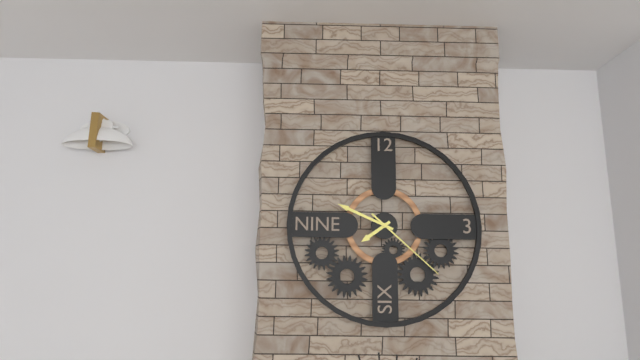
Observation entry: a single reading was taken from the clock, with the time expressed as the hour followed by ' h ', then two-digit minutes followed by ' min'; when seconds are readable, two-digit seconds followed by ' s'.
7 h 49 min 22 s
